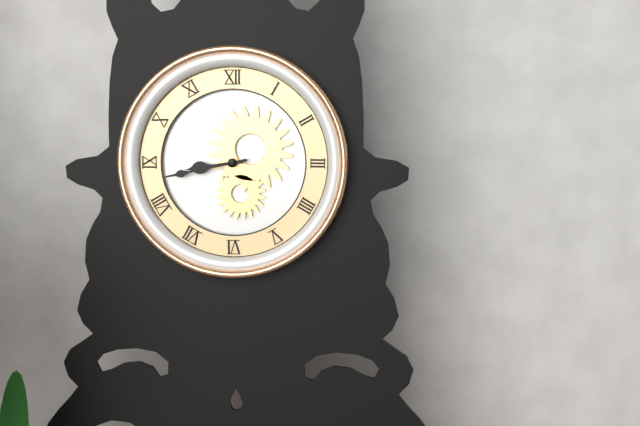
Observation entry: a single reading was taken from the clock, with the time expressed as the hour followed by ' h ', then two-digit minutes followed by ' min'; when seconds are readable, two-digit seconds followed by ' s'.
8 h 43 min
